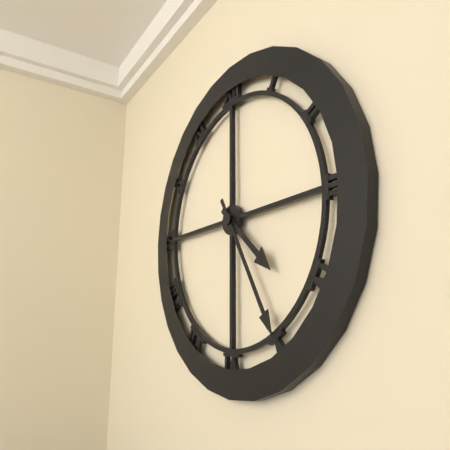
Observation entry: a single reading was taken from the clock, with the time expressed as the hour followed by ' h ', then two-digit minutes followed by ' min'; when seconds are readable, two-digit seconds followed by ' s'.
4 h 25 min
